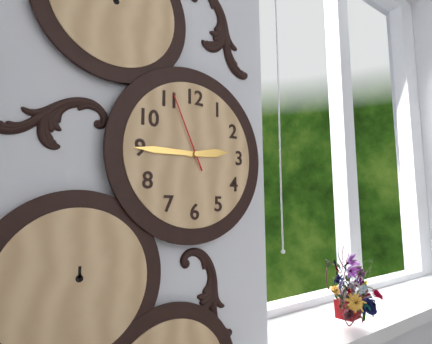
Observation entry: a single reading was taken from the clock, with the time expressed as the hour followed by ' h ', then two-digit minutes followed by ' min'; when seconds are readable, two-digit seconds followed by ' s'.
2 h 45 min 56 s
